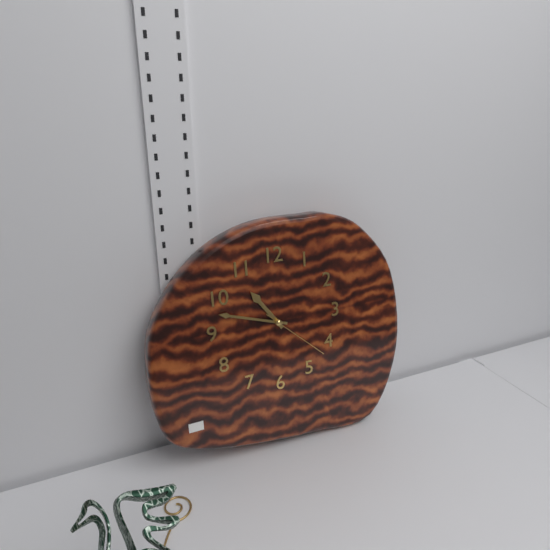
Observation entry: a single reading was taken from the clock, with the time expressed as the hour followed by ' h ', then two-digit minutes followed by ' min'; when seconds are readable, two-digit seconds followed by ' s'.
10 h 48 min 22 s
